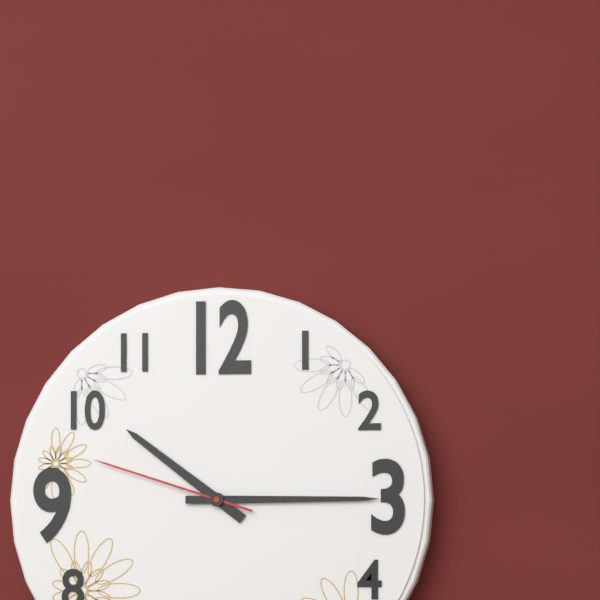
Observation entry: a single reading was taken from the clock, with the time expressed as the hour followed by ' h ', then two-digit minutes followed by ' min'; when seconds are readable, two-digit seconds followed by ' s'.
10 h 15 min 48 s
